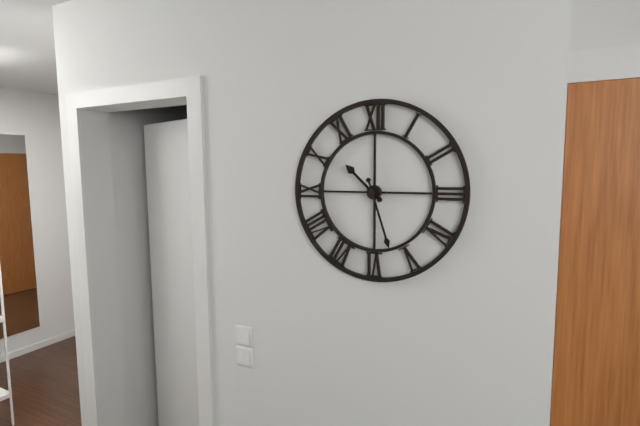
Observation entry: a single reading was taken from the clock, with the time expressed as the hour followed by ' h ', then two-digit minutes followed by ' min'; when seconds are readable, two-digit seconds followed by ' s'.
10 h 27 min
